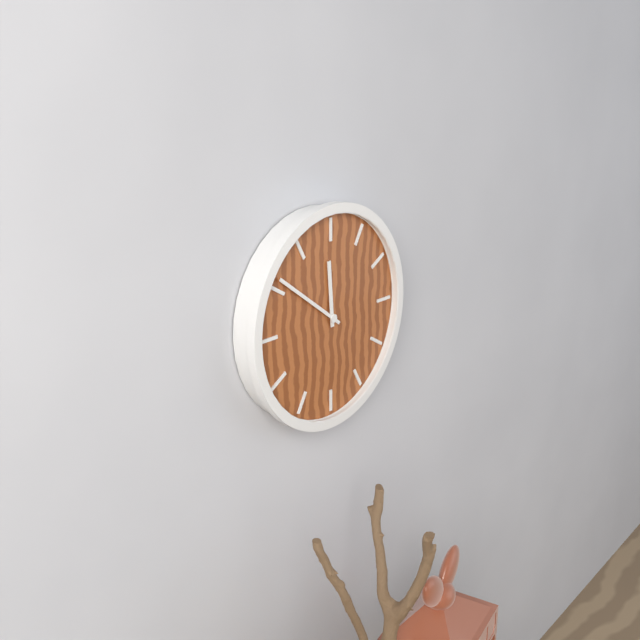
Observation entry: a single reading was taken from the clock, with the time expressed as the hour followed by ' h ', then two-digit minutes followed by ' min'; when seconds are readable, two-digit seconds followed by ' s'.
11 h 51 min
